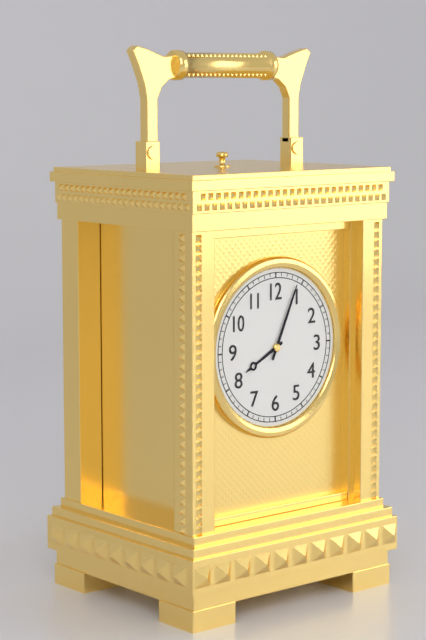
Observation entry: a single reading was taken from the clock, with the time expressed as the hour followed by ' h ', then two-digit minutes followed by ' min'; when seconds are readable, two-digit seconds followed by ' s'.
8 h 04 min
